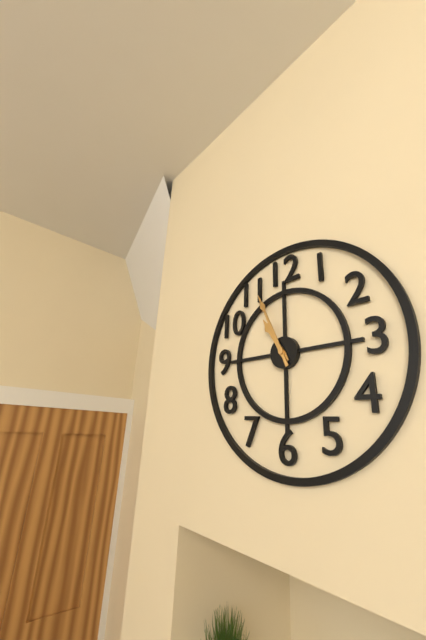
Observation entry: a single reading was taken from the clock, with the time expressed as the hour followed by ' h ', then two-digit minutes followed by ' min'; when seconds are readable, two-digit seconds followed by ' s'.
10 h 56 min
